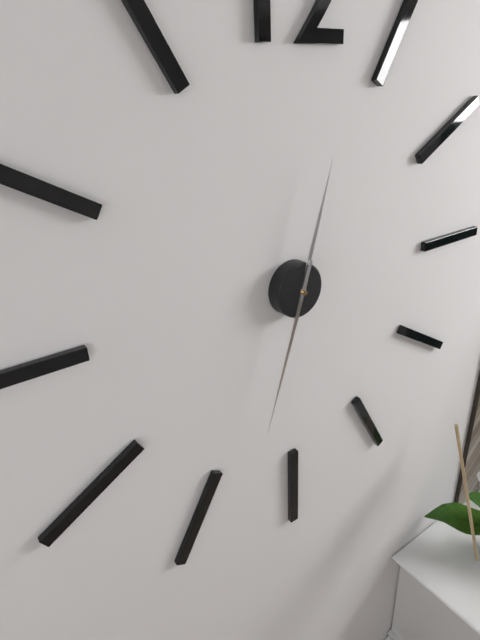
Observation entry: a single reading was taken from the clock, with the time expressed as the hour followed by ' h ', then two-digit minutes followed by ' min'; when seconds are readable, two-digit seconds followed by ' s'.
12 h 33 min
